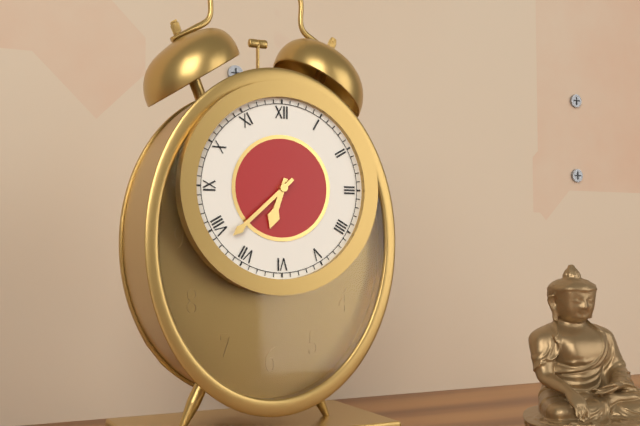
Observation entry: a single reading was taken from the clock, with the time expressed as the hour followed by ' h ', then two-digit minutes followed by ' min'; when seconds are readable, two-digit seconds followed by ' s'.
6 h 38 min
